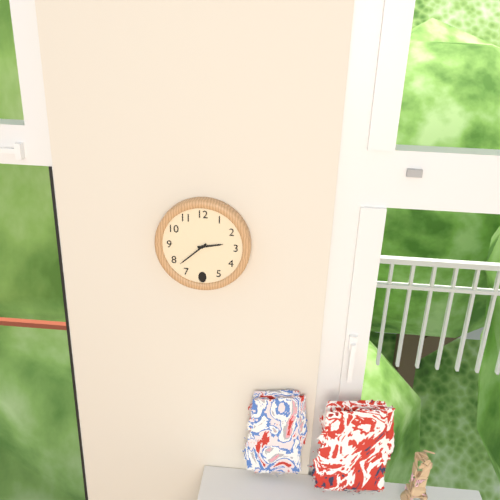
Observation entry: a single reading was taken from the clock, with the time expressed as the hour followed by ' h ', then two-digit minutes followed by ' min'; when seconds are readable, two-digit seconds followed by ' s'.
2 h 38 min
